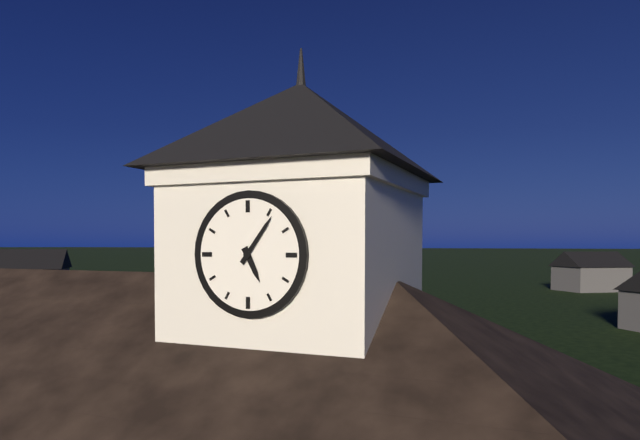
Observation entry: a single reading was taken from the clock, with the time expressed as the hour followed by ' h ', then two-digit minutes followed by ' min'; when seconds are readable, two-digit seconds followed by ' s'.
5 h 06 min
